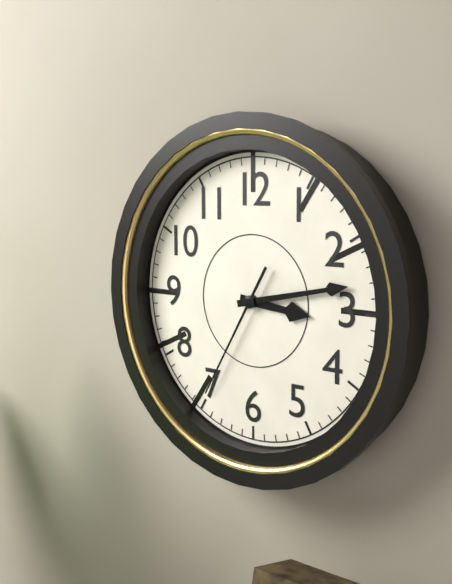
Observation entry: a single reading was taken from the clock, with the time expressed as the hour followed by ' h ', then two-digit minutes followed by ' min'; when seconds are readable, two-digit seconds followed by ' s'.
3 h 13 min 35 s
